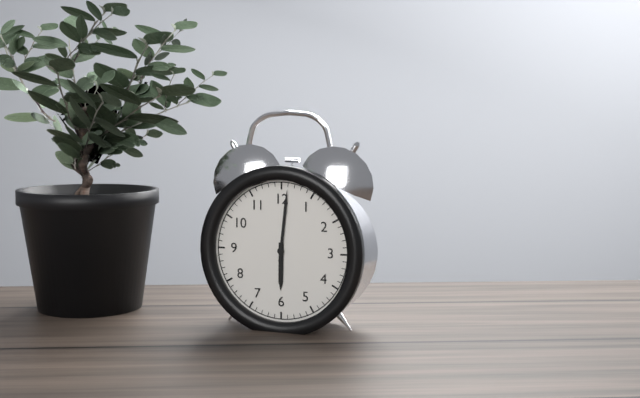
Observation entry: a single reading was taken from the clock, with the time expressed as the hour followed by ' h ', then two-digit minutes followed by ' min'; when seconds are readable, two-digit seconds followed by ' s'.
6 h 01 min
